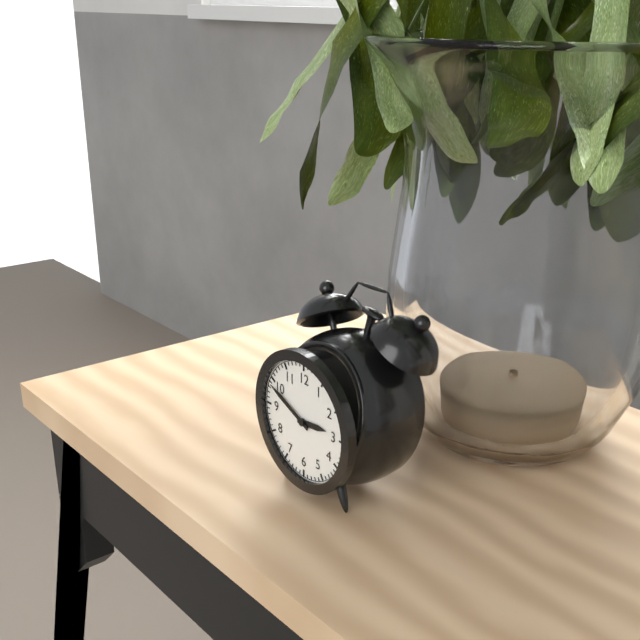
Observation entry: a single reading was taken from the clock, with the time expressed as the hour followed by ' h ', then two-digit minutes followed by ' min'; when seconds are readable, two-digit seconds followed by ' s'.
2 h 49 min
